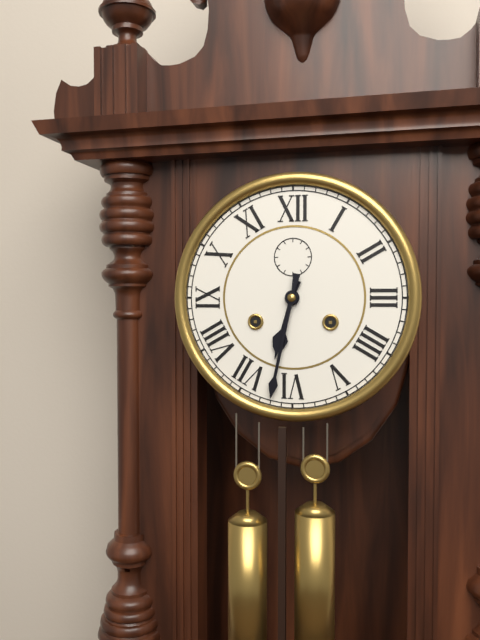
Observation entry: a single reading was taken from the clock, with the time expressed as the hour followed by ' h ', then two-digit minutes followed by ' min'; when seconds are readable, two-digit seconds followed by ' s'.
6 h 32 min
